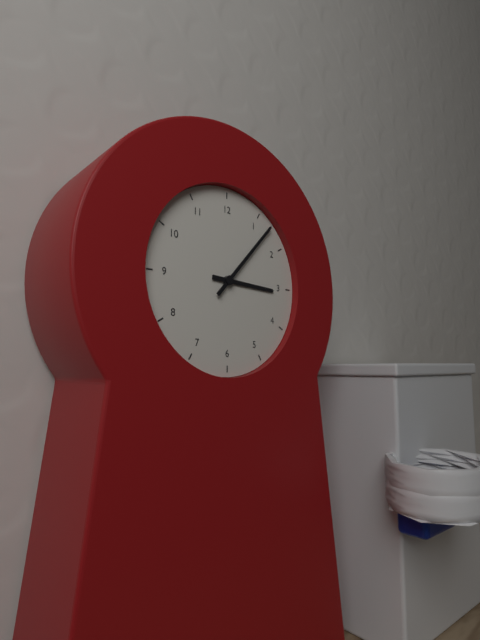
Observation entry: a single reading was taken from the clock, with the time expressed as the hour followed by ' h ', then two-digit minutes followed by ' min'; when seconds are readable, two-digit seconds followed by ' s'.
3 h 07 min
